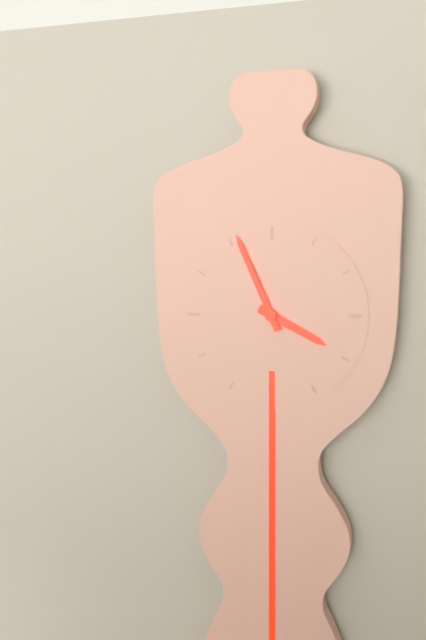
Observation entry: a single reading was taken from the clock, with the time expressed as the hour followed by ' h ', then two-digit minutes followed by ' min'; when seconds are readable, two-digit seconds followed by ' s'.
3 h 56 min
